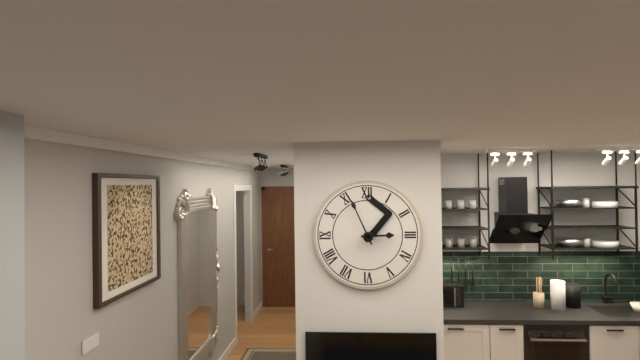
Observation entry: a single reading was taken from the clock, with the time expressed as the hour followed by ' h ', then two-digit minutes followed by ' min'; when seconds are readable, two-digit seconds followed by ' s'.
2 h 56 min
